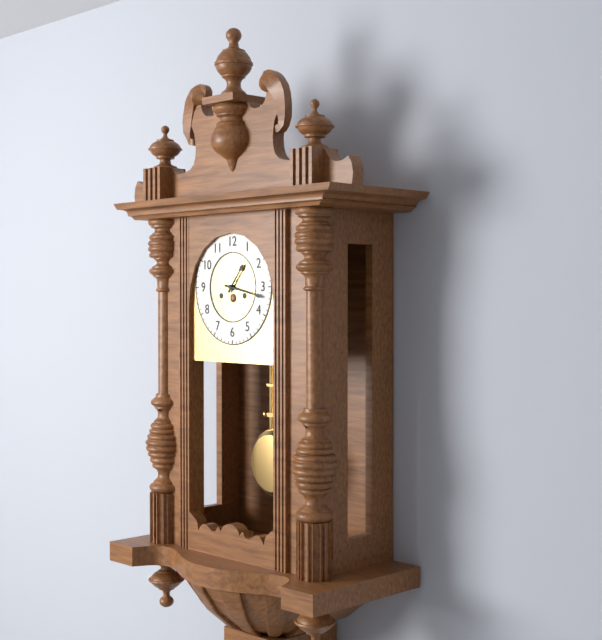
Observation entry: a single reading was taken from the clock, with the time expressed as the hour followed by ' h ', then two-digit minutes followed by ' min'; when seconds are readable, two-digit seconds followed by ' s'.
1 h 17 min
